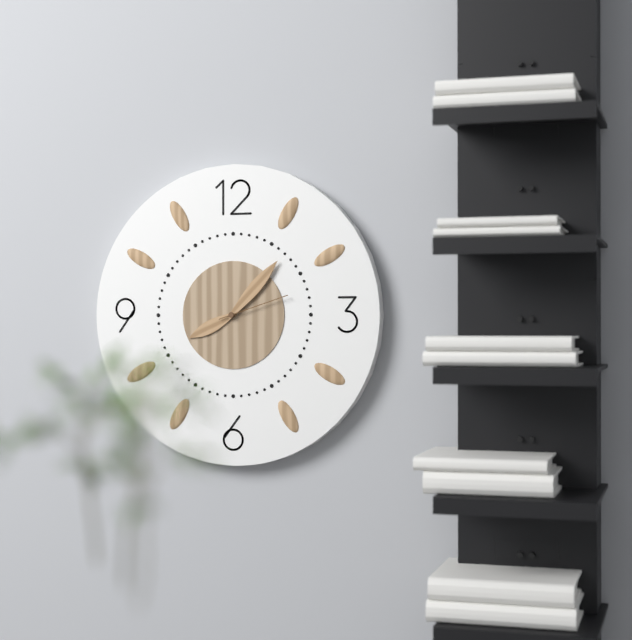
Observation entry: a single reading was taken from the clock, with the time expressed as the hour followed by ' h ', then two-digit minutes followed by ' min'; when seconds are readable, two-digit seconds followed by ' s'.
8 h 07 min 12 s
